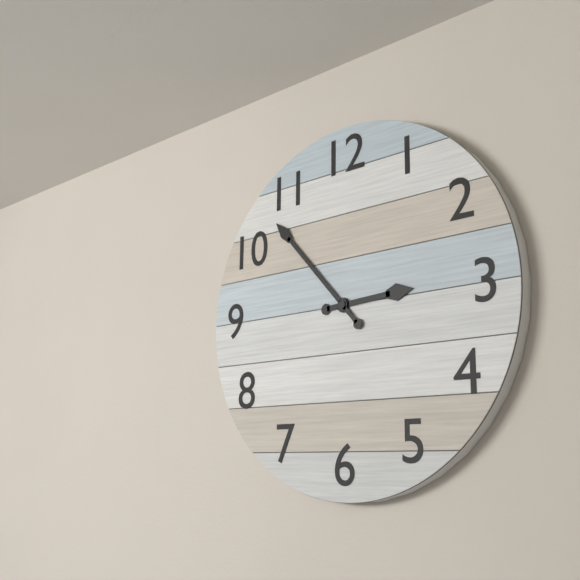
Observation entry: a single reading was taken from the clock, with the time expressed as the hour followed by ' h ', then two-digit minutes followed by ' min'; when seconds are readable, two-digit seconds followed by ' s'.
2 h 53 min
